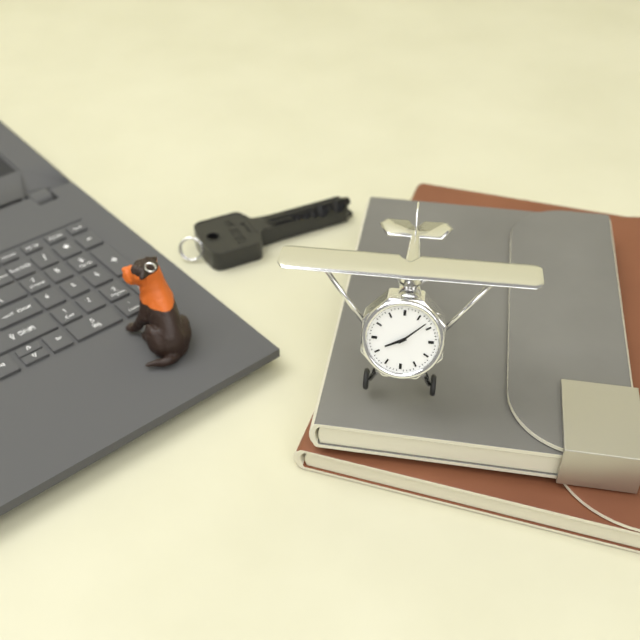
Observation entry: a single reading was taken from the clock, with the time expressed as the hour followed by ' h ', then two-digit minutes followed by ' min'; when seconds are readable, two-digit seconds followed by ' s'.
8 h 08 min
